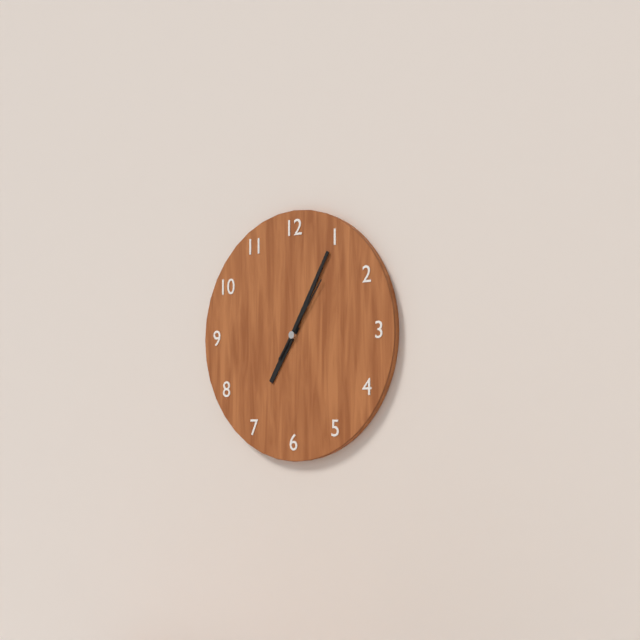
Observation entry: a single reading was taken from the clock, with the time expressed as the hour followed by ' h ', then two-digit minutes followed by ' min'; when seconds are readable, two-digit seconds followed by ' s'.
7 h 05 min 06 s
